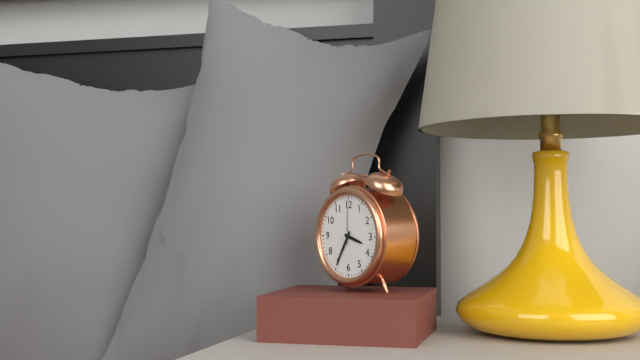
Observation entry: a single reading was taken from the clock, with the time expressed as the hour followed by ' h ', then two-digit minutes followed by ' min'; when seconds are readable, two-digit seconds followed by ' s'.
3 h 35 min
